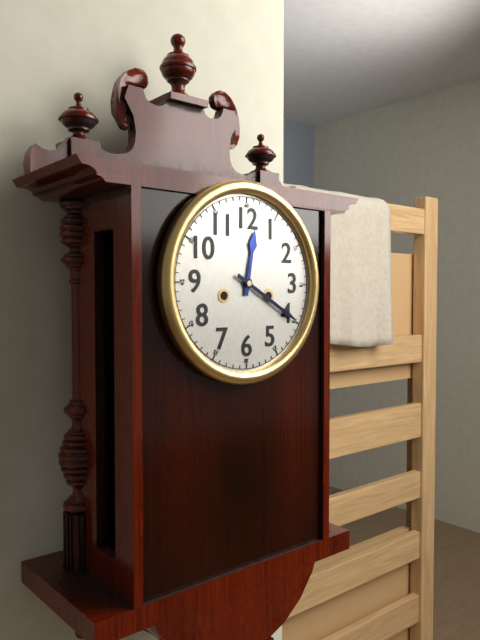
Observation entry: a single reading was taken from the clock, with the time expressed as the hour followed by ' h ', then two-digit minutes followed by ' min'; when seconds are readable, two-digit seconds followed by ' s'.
12 h 20 min
